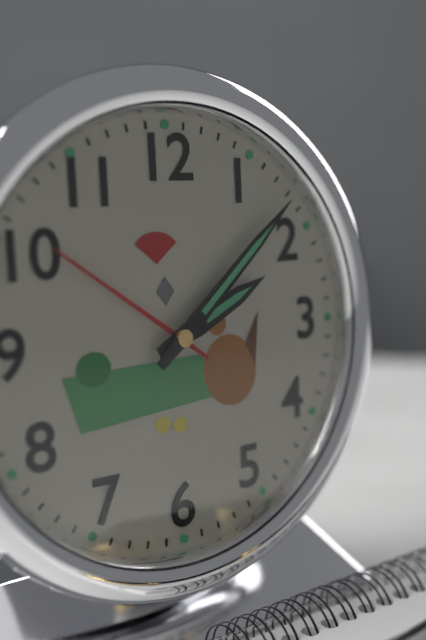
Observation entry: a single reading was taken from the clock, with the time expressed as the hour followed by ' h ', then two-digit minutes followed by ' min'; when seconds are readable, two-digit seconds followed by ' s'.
2 h 08 min
